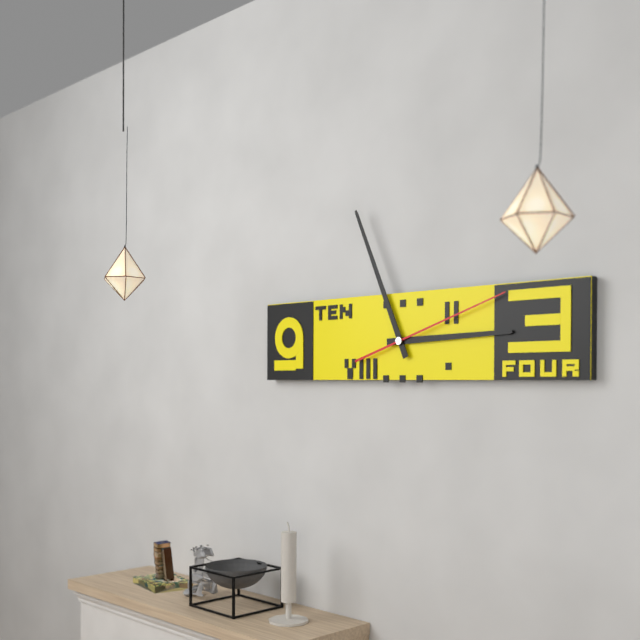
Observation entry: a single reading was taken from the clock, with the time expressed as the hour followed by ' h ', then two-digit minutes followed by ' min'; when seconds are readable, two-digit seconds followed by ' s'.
2 h 56 min 12 s
